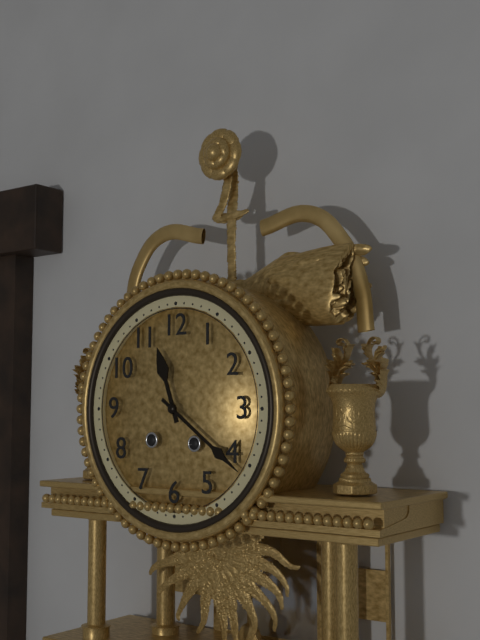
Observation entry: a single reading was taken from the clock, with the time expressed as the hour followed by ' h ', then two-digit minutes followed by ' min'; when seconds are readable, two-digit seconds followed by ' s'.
11 h 21 min
